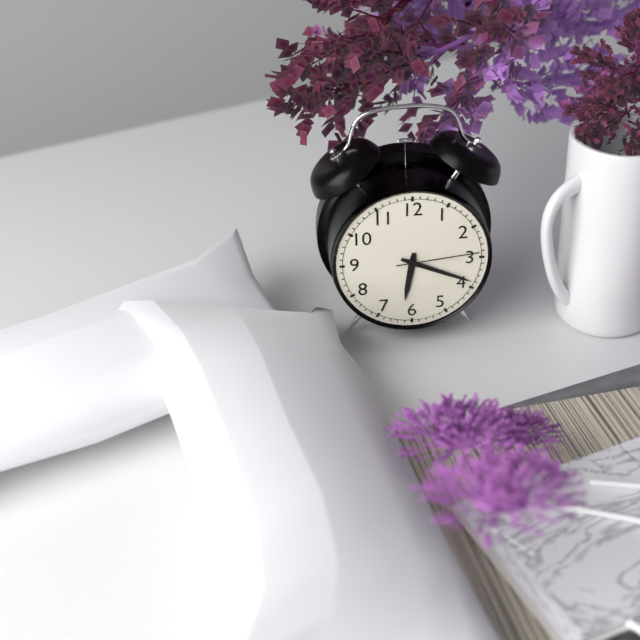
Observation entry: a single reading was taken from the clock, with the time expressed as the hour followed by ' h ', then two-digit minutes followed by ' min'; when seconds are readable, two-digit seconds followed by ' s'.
6 h 19 min 14 s
